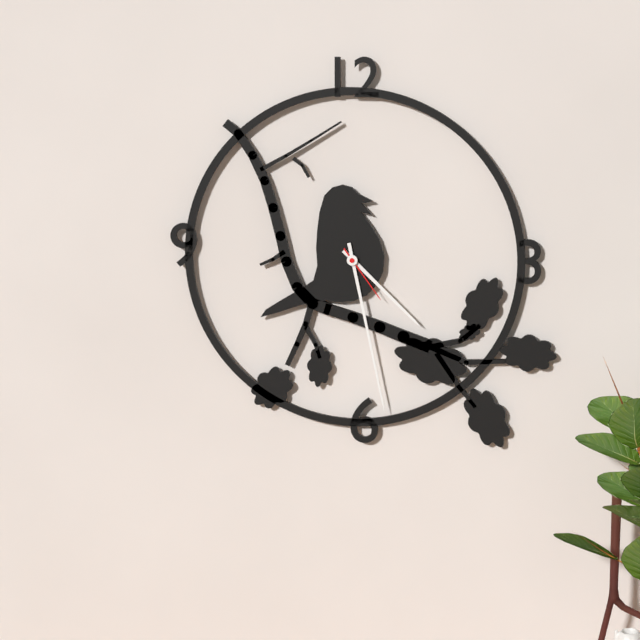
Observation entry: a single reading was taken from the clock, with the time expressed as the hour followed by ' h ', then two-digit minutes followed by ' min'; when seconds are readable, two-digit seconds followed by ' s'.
4 h 28 min 24 s
